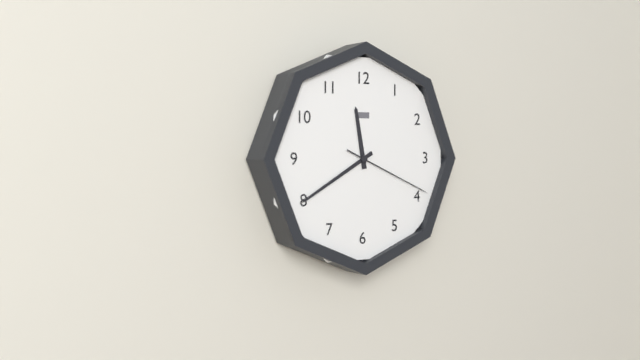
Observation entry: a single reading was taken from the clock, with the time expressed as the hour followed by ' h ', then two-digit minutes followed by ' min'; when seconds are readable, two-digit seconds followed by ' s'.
11 h 40 min 19 s
